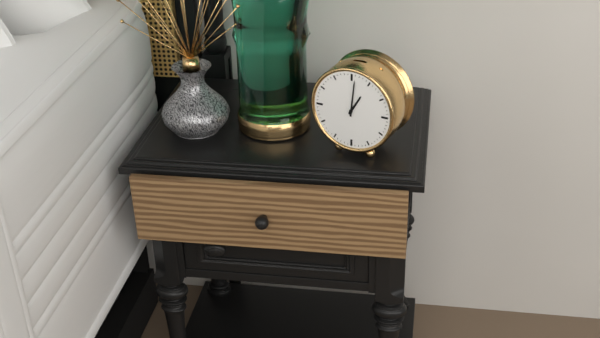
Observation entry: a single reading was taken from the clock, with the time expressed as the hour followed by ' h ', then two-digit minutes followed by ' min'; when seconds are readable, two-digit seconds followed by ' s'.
1 h 01 min
